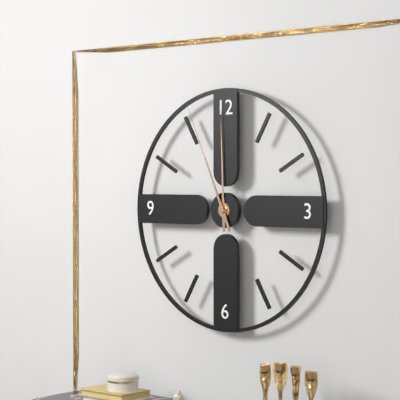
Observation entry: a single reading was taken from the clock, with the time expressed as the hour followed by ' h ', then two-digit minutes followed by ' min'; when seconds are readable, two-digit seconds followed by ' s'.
11 h 56 min
